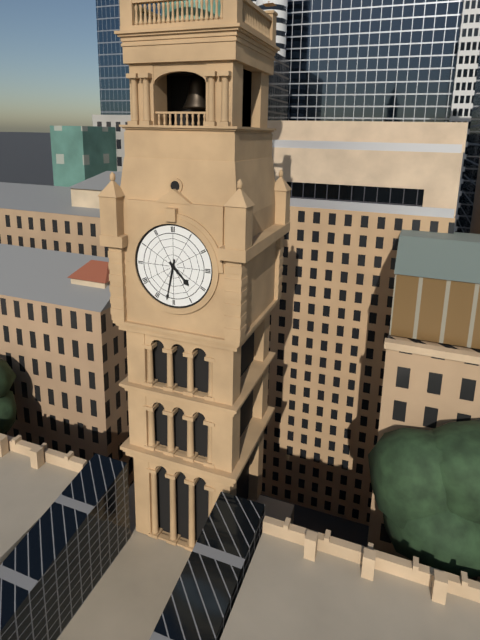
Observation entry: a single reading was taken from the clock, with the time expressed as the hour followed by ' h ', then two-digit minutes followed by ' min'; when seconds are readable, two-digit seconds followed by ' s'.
4 h 32 min
